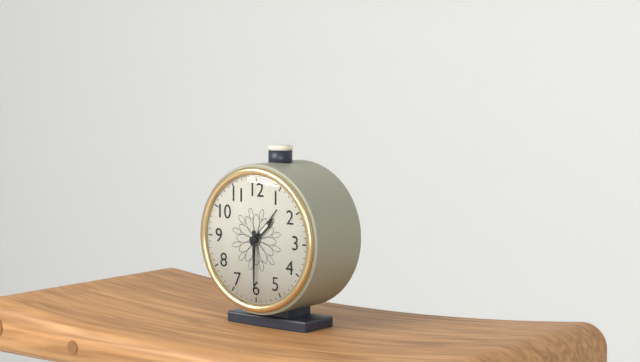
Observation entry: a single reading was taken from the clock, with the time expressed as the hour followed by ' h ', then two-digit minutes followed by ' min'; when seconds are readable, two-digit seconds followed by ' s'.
1 h 30 min
